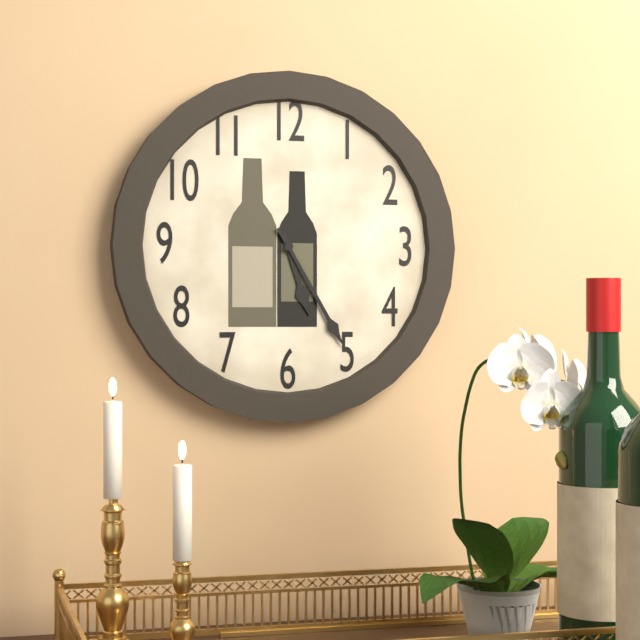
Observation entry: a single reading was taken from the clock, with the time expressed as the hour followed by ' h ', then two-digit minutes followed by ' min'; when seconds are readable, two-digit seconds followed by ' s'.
5 h 25 min
